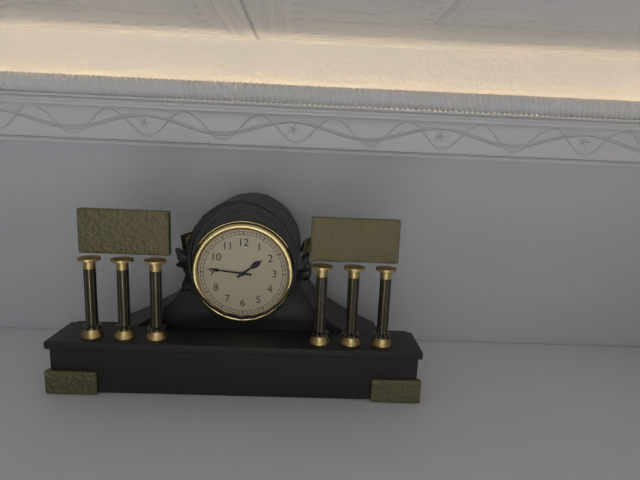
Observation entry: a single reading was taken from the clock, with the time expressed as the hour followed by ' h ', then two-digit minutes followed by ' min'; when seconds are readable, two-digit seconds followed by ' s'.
1 h 46 min
